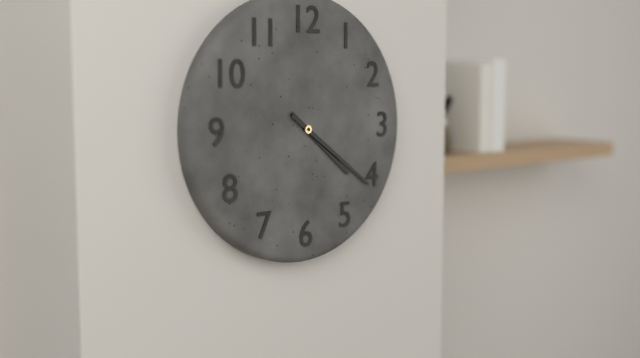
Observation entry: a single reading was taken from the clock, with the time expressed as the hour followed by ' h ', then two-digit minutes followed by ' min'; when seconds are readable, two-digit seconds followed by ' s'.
4 h 21 min
